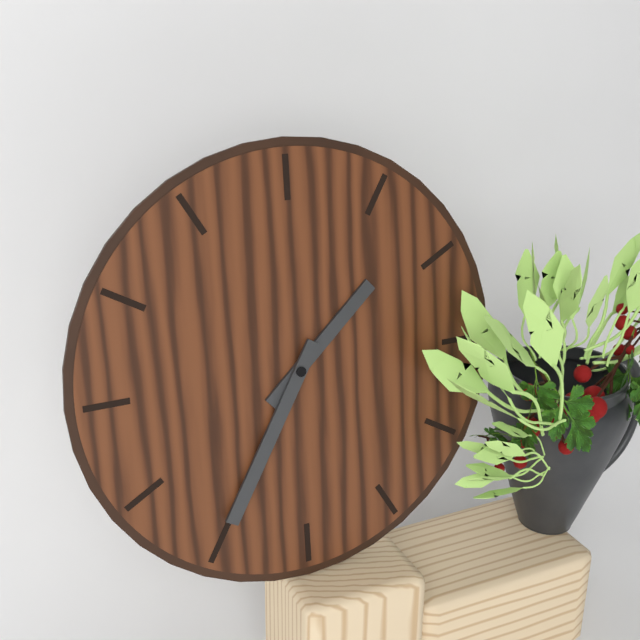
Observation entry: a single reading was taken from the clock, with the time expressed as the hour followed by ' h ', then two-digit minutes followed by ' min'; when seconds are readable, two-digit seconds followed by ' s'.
1 h 35 min
